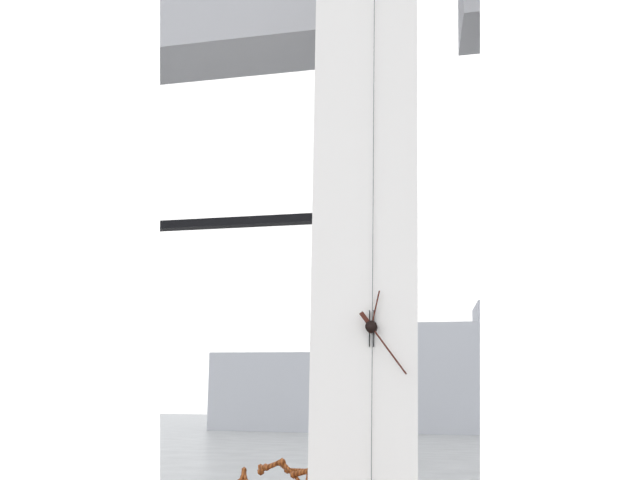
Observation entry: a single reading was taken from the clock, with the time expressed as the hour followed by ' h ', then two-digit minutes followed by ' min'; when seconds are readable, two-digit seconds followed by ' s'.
12 h 24 min
